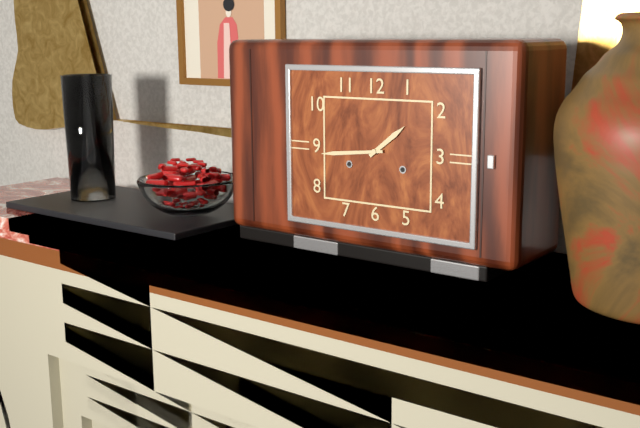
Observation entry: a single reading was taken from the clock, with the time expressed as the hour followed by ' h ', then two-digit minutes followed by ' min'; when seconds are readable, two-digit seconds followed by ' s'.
1 h 44 min
